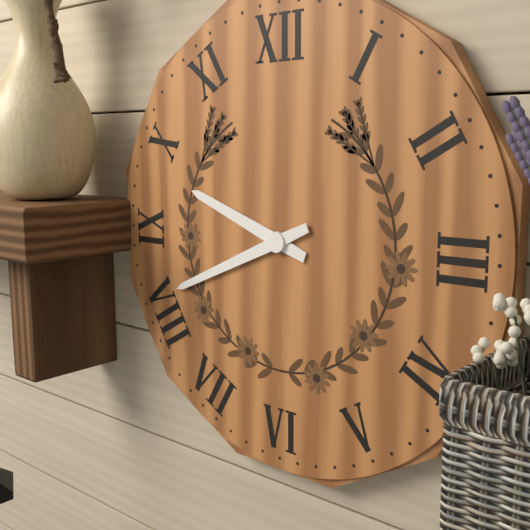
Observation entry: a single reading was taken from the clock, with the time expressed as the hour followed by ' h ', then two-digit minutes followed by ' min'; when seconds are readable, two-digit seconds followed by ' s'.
9 h 41 min
